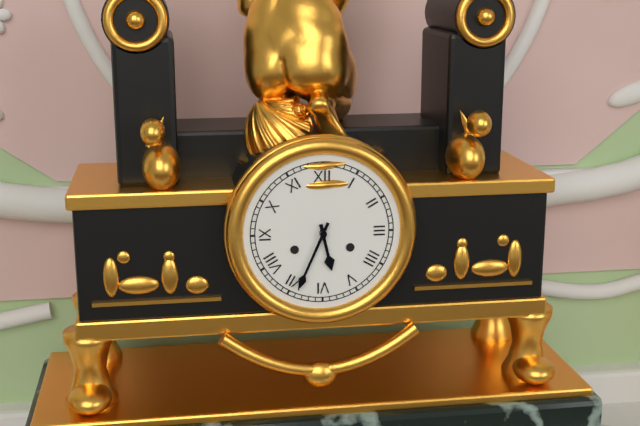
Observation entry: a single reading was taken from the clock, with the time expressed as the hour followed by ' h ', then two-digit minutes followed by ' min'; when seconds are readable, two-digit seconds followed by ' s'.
5 h 34 min
